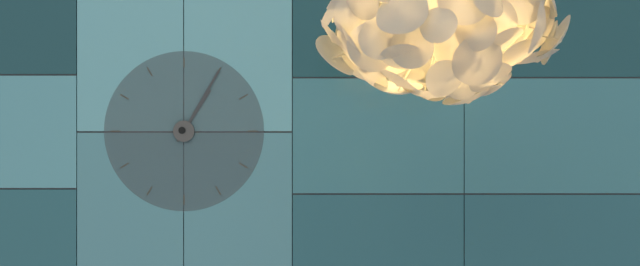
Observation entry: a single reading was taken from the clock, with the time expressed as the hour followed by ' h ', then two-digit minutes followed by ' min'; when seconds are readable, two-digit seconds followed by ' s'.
1 h 05 min
